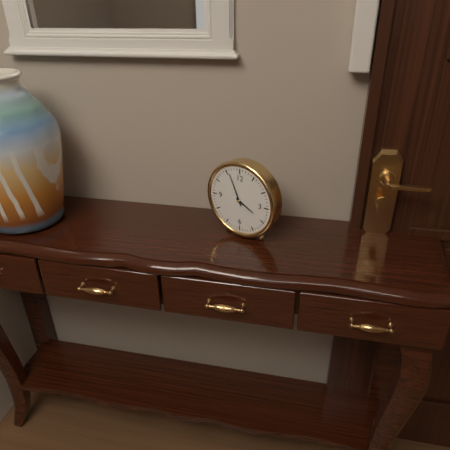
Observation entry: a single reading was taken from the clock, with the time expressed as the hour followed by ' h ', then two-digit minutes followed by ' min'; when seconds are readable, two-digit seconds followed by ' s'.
3 h 56 min
